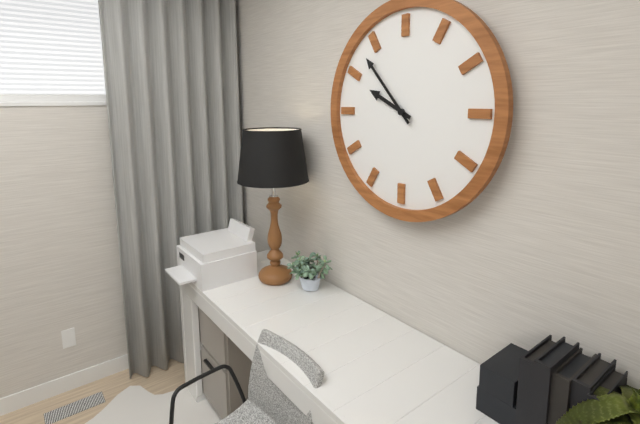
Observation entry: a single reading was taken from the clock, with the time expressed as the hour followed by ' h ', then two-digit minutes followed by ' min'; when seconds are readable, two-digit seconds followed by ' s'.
9 h 53 min
